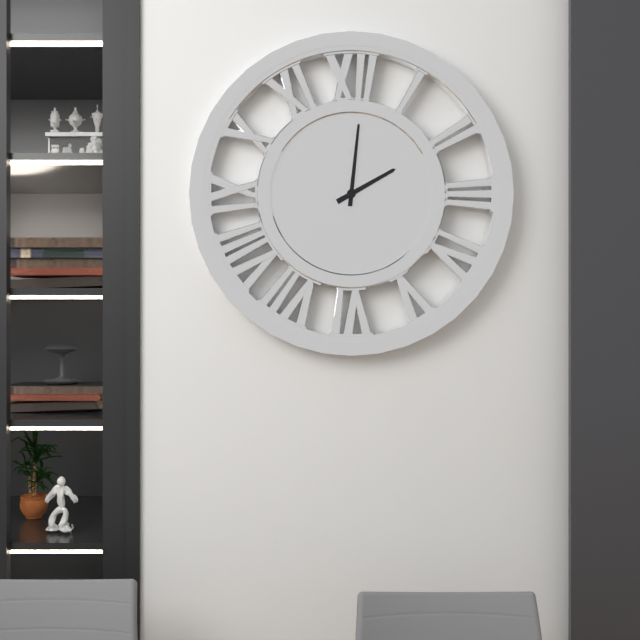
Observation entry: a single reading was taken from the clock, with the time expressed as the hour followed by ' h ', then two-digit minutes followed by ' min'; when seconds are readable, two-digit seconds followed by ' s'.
2 h 01 min
